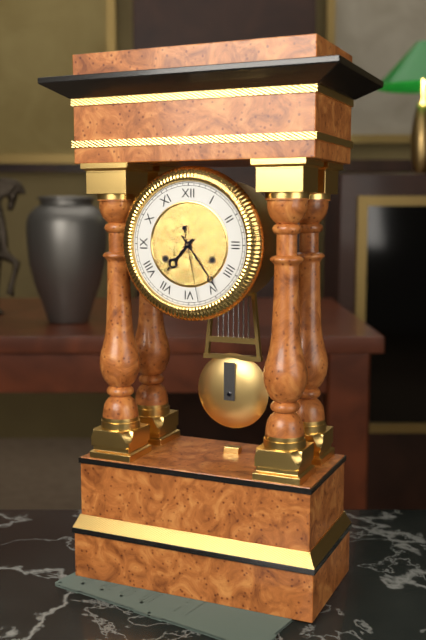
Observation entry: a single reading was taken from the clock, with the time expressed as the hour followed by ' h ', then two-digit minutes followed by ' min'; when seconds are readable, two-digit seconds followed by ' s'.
7 h 24 min 28 s
